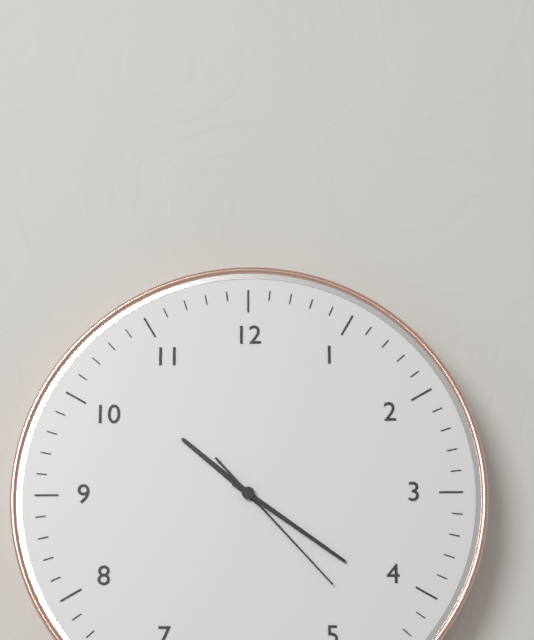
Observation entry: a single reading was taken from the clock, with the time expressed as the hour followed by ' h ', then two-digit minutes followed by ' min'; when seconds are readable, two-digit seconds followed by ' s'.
10 h 21 min 23 s
